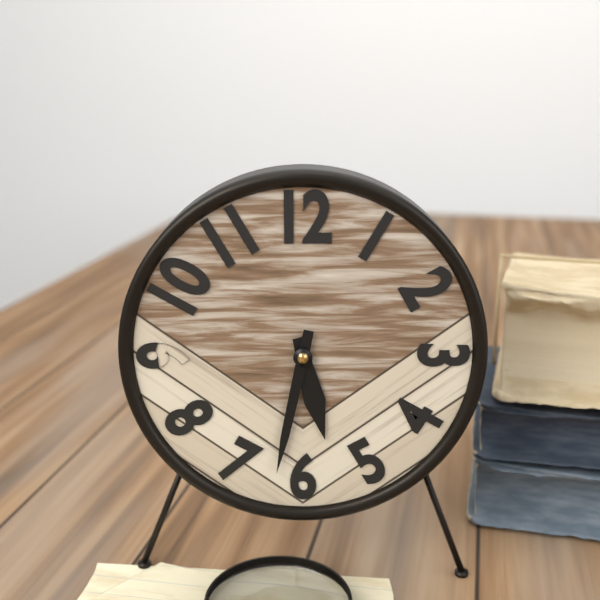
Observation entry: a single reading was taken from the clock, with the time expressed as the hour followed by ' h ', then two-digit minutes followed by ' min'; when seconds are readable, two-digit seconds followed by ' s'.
5 h 32 min
